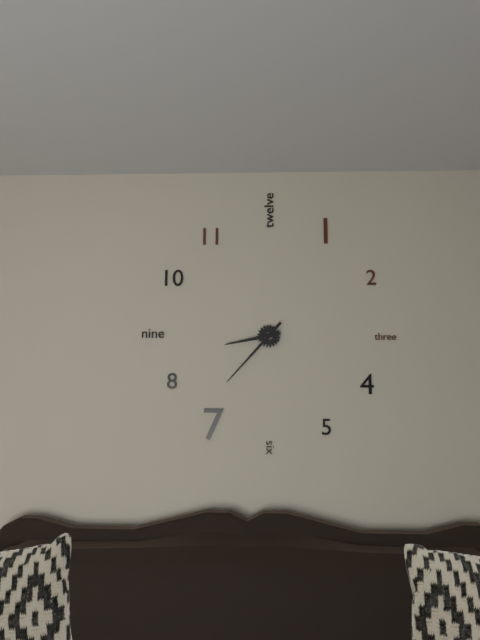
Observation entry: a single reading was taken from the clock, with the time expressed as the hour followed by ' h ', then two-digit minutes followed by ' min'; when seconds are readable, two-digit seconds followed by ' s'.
8 h 37 min
